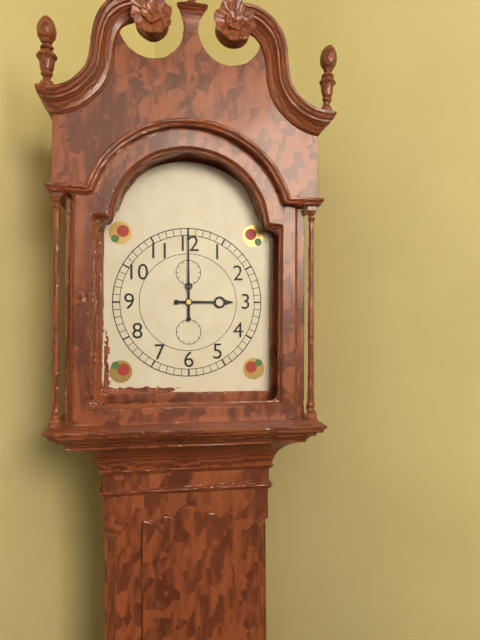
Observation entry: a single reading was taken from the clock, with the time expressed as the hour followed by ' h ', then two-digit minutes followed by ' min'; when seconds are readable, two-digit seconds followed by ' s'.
3 h 00 min
